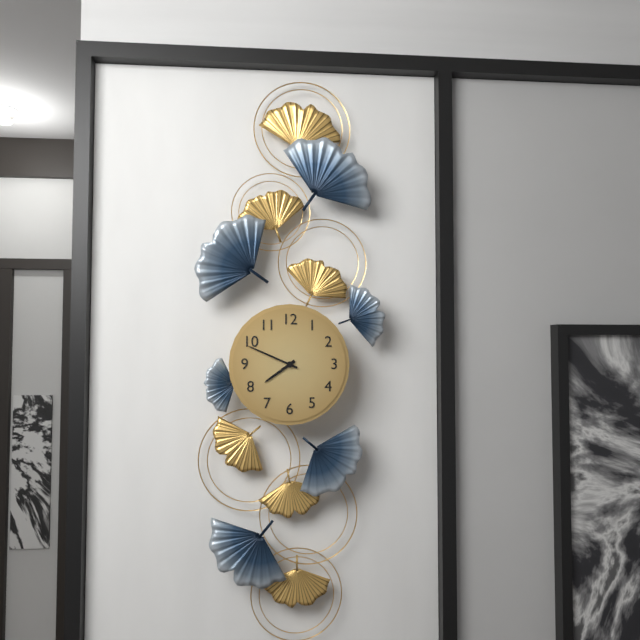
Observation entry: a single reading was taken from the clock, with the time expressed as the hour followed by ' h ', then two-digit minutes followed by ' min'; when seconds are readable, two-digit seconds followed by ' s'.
7 h 49 min
